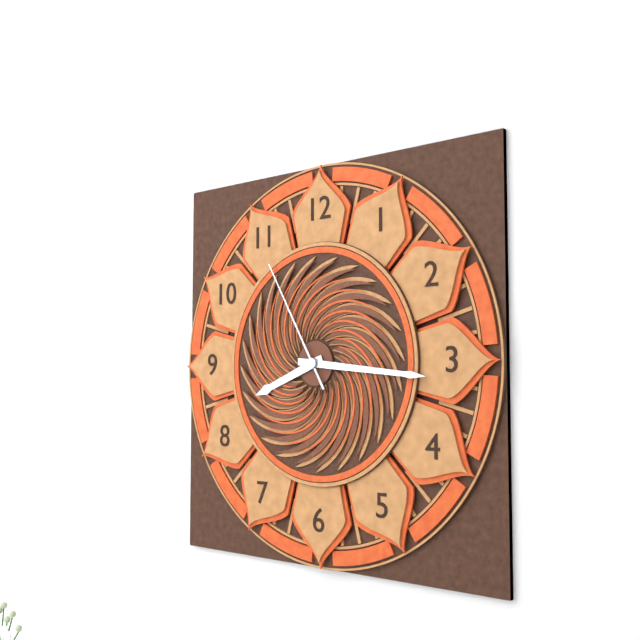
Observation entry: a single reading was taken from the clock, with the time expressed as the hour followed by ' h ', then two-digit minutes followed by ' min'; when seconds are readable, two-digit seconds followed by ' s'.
8 h 16 min 55 s
